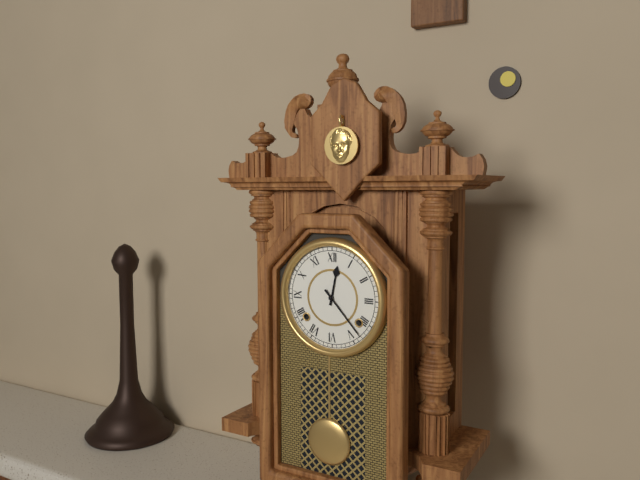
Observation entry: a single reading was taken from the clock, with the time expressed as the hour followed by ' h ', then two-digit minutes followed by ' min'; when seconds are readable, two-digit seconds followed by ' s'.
12 h 23 min
